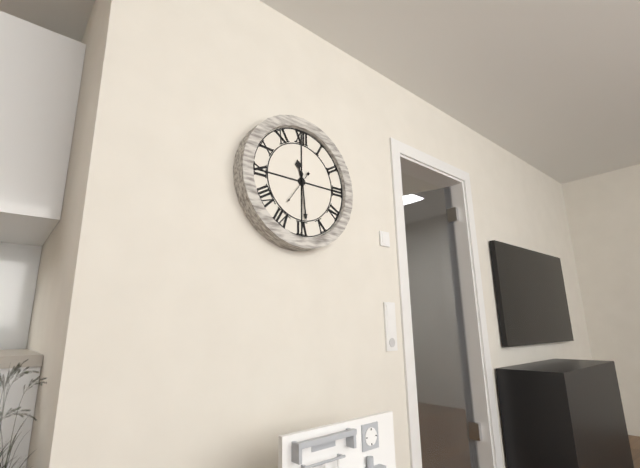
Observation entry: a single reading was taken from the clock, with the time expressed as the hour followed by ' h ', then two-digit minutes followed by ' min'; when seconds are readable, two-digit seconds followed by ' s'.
11 h 29 min
